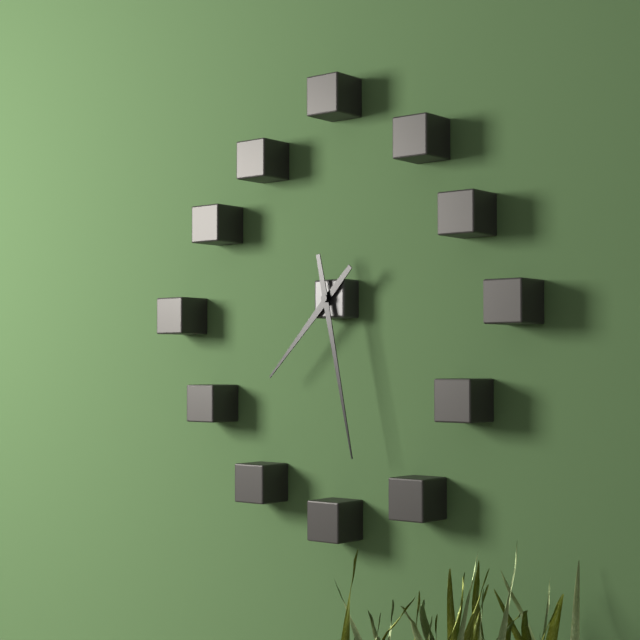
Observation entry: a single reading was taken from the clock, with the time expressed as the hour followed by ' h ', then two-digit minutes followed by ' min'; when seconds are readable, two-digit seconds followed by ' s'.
7 h 28 min
